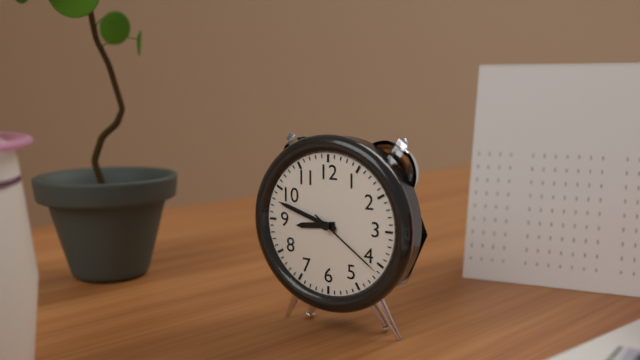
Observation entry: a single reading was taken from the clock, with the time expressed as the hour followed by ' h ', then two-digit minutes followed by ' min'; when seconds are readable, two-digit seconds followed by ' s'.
8 h 48 min 21 s
